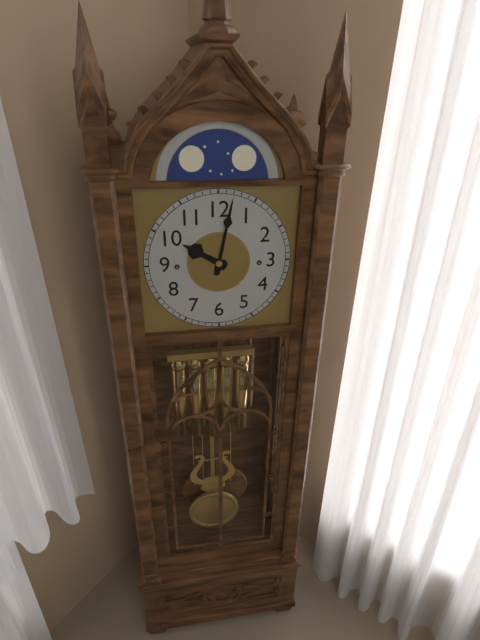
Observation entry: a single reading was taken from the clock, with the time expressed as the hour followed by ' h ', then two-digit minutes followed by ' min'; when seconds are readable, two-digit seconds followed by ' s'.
10 h 02 min
